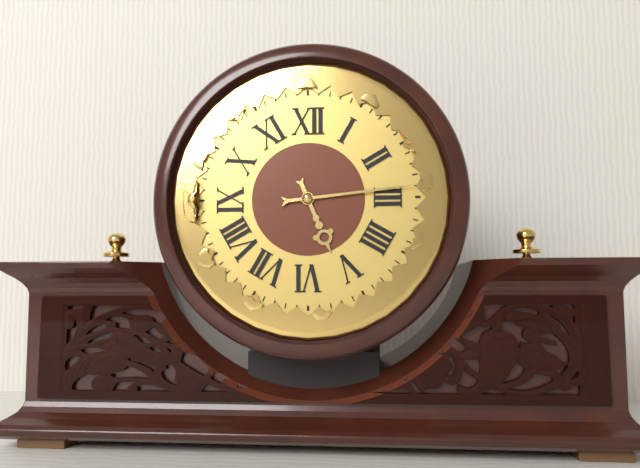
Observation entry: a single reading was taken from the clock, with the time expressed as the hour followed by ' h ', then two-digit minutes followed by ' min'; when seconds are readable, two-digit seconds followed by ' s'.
5 h 14 min
